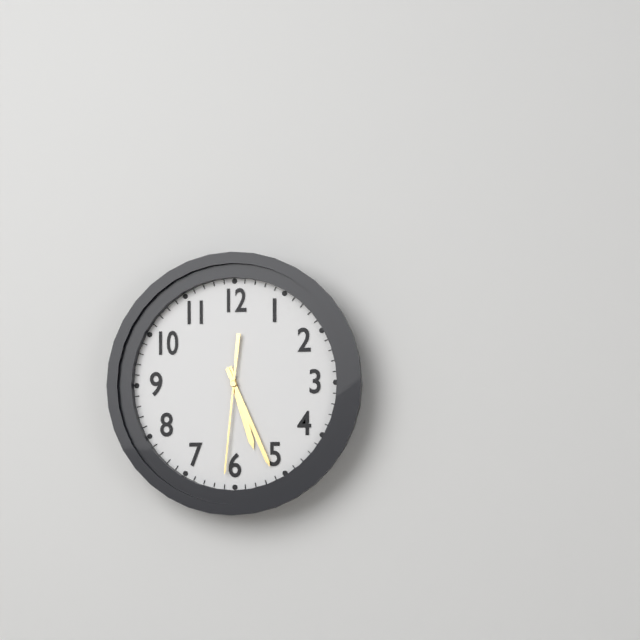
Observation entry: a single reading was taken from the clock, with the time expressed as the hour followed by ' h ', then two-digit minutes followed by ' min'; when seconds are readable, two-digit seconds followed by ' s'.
5 h 26 min 31 s
